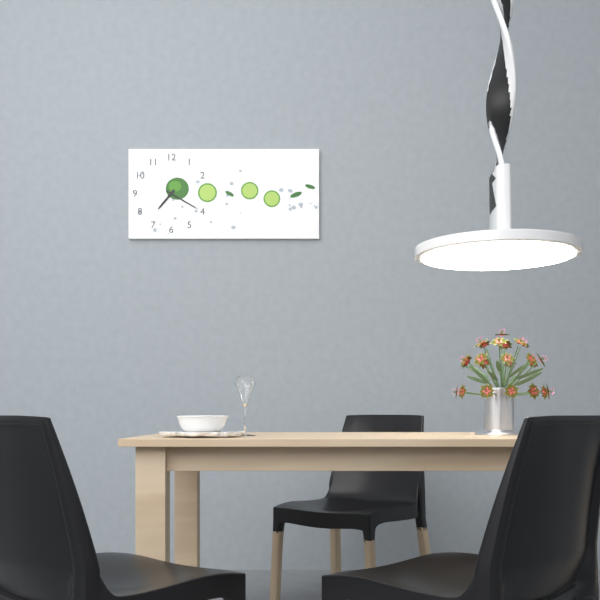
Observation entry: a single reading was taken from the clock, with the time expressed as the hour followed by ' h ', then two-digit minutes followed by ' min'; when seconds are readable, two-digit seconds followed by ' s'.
7 h 20 min
